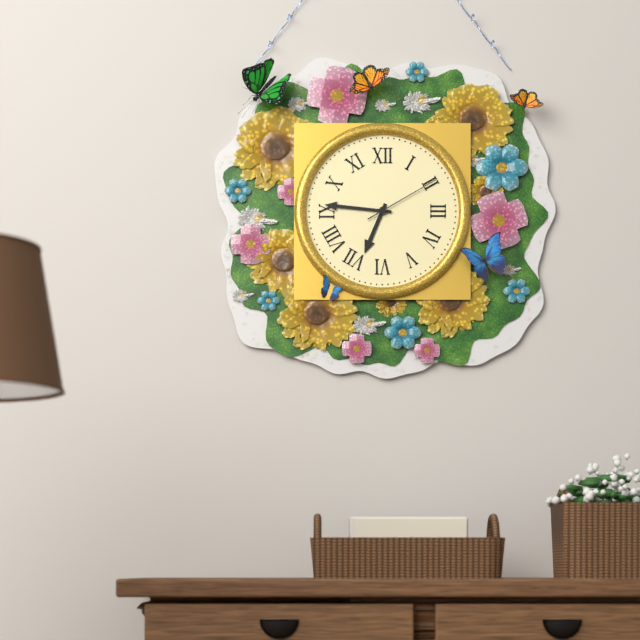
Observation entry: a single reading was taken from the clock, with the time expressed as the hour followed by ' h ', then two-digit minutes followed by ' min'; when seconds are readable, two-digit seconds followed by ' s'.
6 h 46 min 10 s
